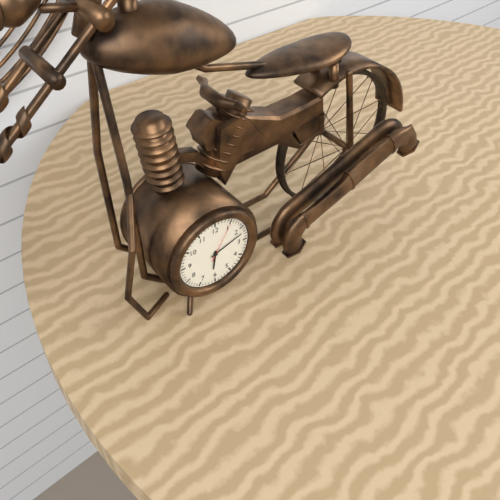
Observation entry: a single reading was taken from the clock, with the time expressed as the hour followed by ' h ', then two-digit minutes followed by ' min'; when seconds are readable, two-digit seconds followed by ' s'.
6 h 12 min
